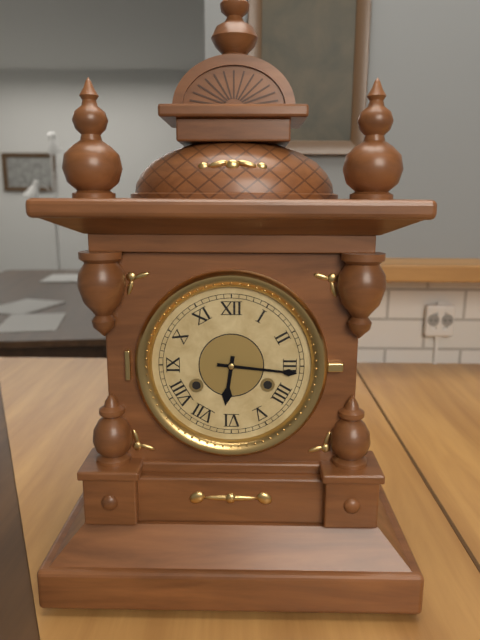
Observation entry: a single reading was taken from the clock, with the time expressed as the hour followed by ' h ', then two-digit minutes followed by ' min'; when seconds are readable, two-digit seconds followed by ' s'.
6 h 16 min
